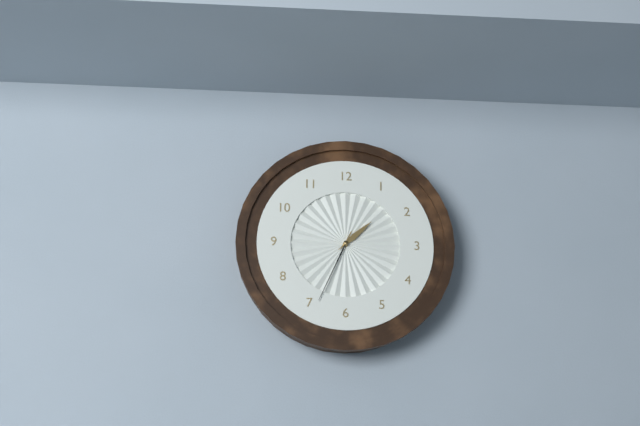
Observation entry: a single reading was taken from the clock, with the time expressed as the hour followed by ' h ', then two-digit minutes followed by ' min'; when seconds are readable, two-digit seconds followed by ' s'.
1 h 34 min
